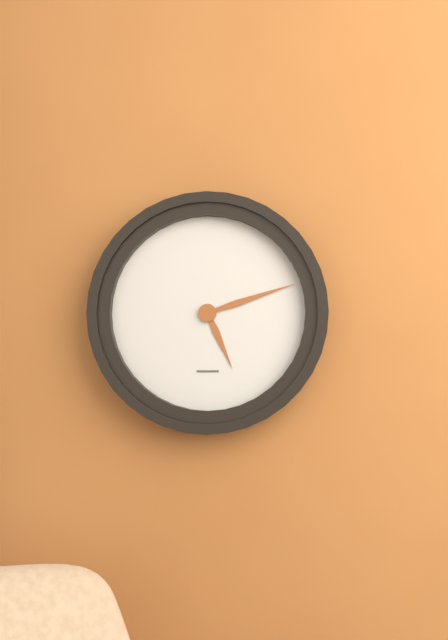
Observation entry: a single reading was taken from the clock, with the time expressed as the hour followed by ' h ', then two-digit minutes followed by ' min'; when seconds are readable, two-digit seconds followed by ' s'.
5 h 12 min
